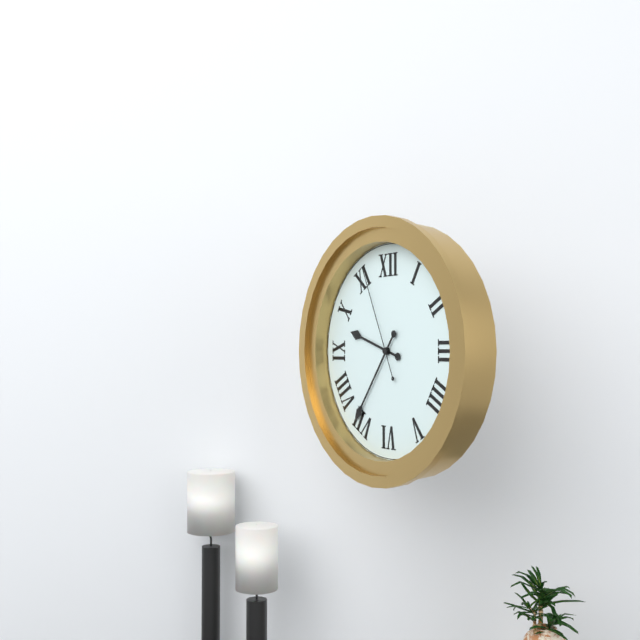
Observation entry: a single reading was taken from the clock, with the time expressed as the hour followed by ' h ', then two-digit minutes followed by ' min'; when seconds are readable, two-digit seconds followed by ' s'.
9 h 36 min 56 s
